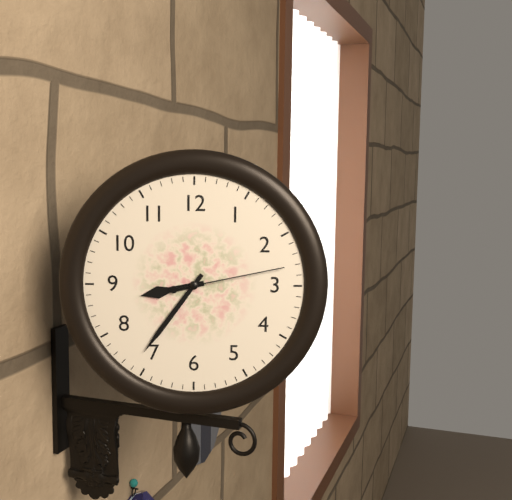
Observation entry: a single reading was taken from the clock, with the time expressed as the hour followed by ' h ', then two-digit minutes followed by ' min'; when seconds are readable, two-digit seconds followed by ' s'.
8 h 36 min 13 s
